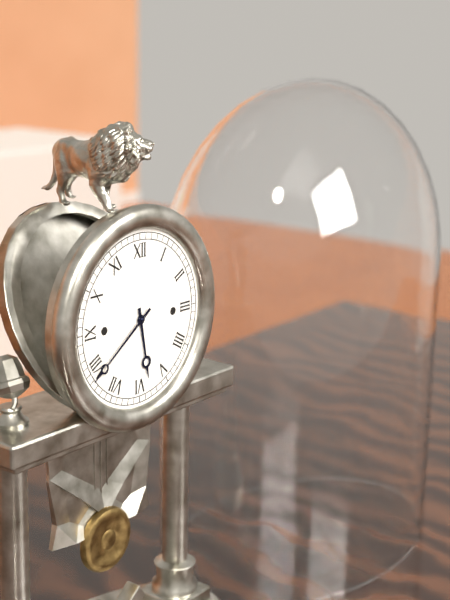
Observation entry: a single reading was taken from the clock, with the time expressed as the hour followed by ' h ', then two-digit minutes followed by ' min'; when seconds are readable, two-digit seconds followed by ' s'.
5 h 39 min
